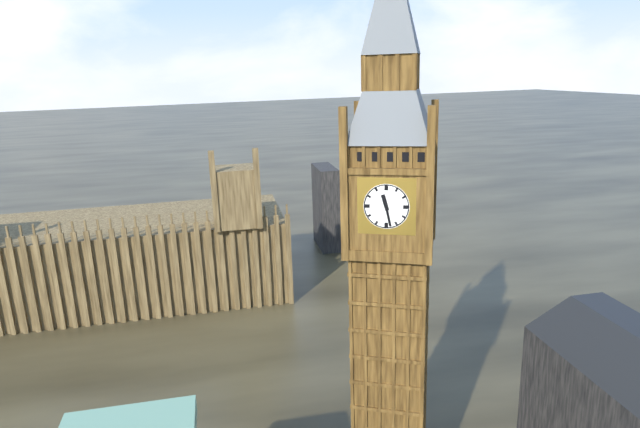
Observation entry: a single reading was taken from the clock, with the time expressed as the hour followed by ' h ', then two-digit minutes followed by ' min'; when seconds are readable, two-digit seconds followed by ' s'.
11 h 28 min
